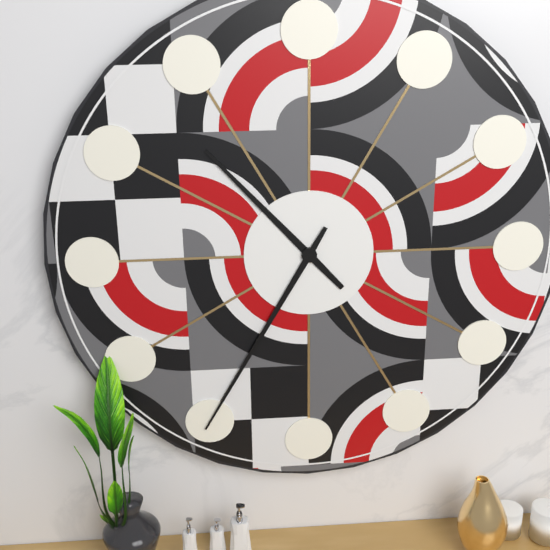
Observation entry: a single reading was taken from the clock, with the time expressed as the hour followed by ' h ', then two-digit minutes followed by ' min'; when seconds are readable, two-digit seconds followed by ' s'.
10 h 35 min
